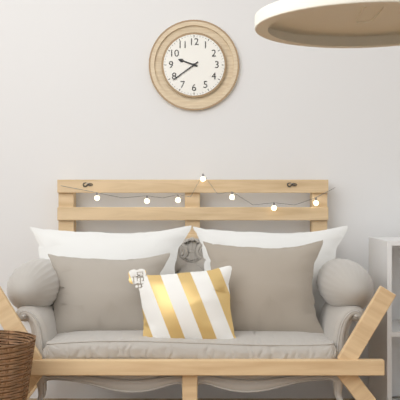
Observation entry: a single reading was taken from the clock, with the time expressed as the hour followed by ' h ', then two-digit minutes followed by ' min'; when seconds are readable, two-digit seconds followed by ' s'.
9 h 39 min
